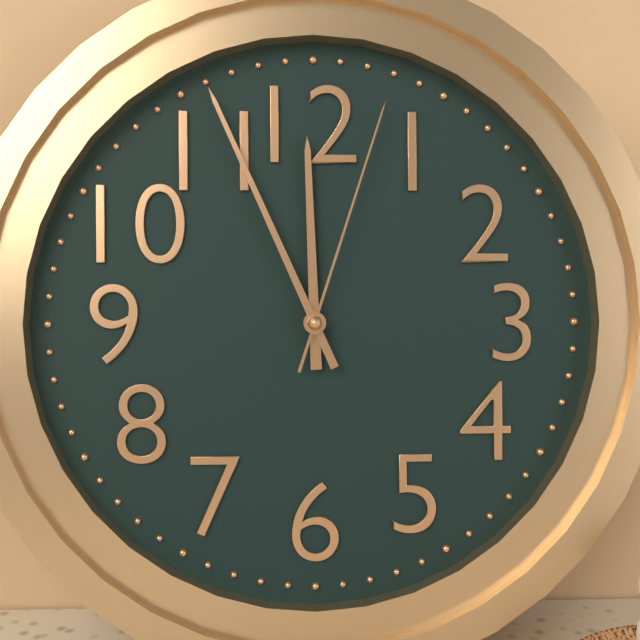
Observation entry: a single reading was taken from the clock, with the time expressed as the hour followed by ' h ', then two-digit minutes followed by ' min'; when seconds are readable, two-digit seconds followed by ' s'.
11 h 56 min 03 s
